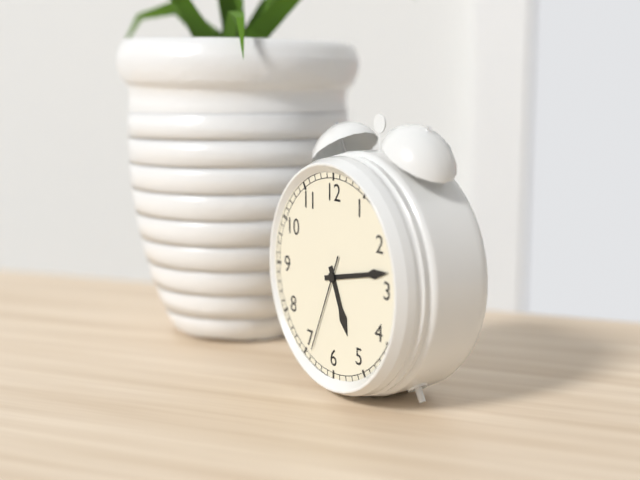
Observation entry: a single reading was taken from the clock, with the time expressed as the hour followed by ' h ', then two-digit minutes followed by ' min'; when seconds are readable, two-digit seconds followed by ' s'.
5 h 13 min 34 s
